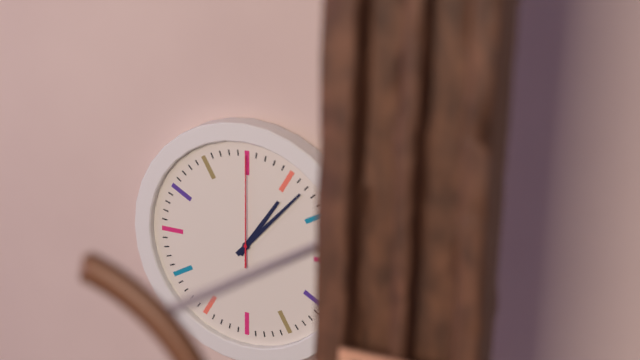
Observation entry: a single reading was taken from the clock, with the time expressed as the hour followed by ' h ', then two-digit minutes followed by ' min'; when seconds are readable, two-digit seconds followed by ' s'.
1 h 07 min 00 s
